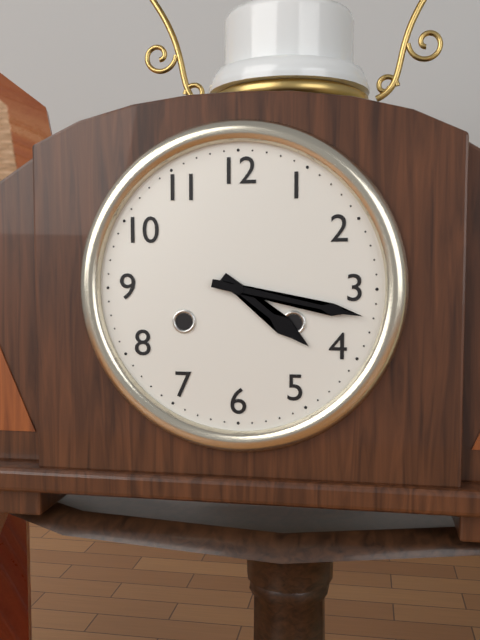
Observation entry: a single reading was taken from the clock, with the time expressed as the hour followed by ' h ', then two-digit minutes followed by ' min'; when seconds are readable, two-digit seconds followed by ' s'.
4 h 17 min
